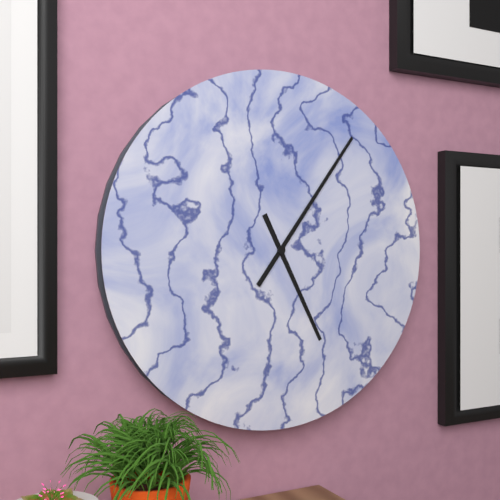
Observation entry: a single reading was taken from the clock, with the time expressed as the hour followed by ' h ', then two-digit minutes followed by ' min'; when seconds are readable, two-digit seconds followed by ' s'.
5 h 06 min
